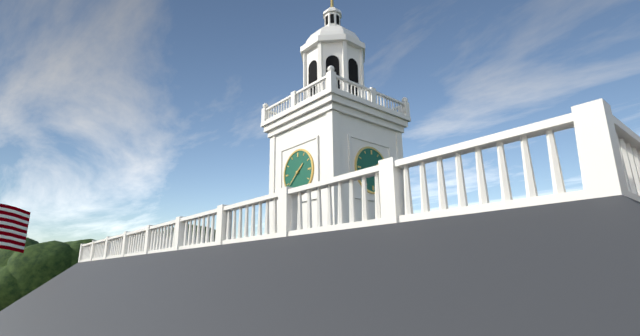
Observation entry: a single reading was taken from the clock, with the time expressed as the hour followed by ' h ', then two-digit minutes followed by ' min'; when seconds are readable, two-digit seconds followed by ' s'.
1 h 38 min
